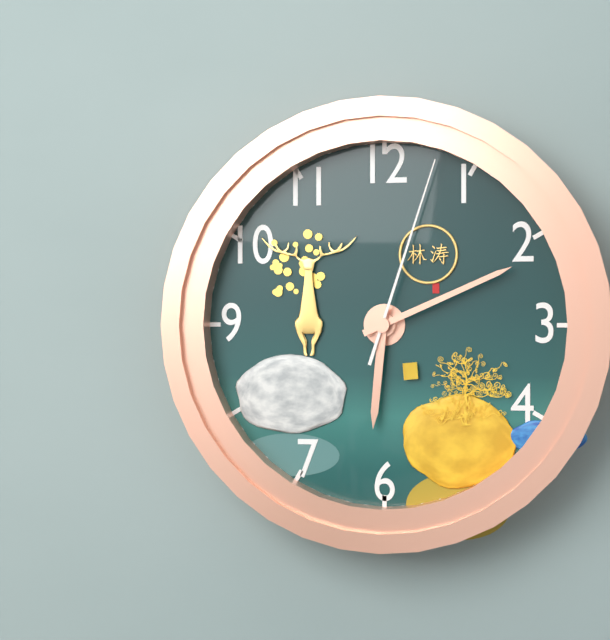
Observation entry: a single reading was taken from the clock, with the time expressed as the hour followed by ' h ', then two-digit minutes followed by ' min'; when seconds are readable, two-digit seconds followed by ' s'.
6 h 11 min 03 s
